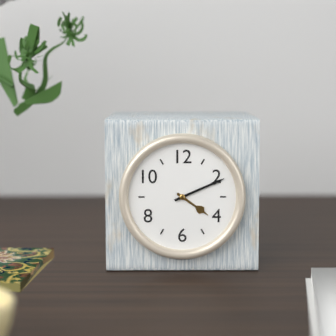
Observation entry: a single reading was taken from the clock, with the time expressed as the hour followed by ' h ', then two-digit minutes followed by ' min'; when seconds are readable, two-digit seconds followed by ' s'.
4 h 11 min
